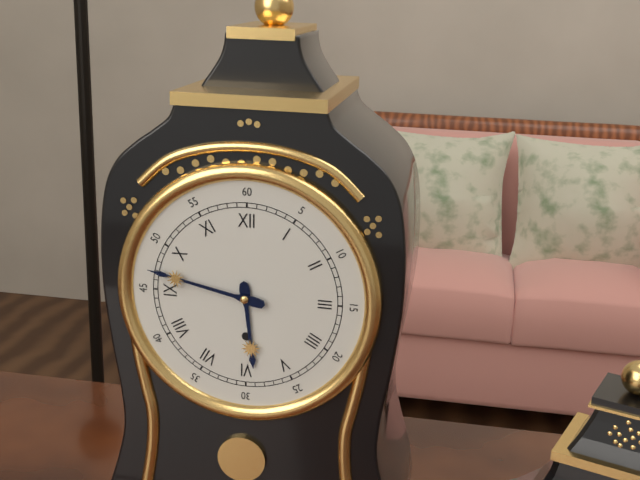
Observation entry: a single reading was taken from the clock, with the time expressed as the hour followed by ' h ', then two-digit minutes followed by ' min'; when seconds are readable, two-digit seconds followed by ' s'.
5 h 47 min
